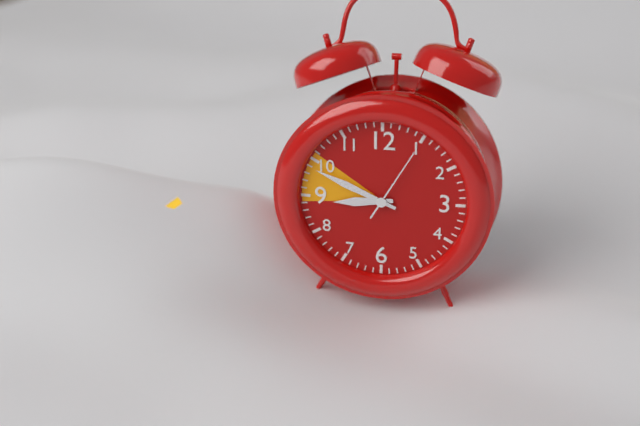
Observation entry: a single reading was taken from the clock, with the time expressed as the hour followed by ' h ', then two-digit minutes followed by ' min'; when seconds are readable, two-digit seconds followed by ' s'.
8 h 49 min 05 s
